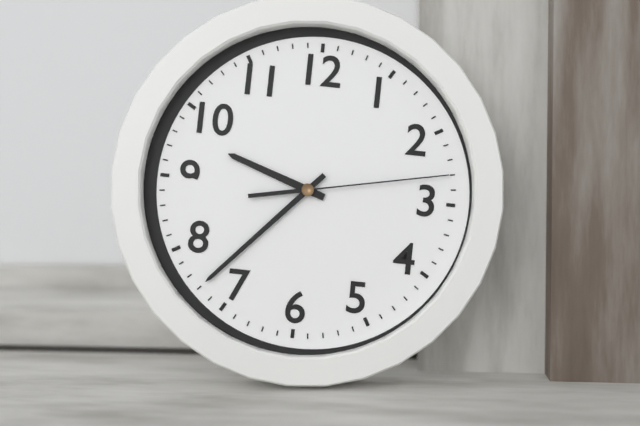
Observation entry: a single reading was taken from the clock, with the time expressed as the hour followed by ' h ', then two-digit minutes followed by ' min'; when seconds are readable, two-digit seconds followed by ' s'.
9 h 37 min 13 s
